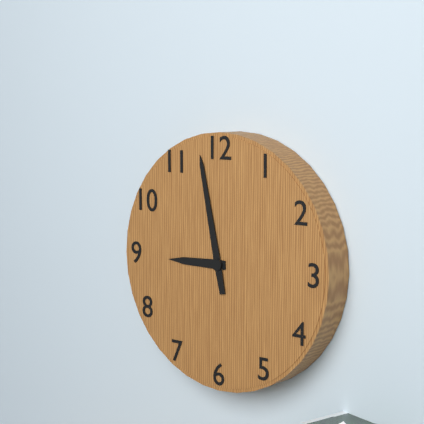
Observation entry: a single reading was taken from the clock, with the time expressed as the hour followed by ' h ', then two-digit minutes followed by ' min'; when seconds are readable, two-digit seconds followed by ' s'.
8 h 58 min
